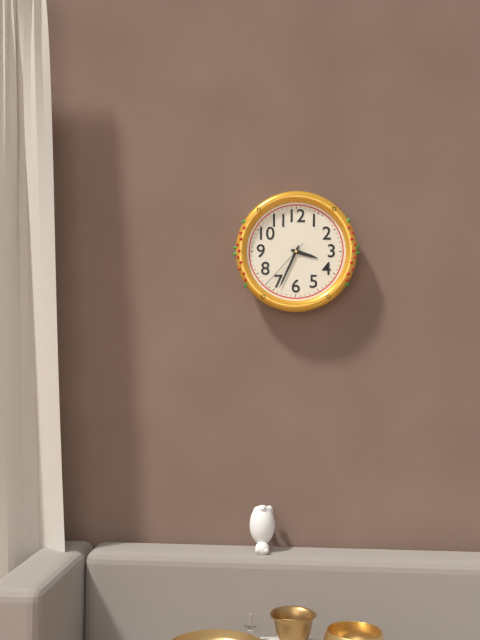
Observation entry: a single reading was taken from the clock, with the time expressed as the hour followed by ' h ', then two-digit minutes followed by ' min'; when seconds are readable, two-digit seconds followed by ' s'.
3 h 34 min 37 s
